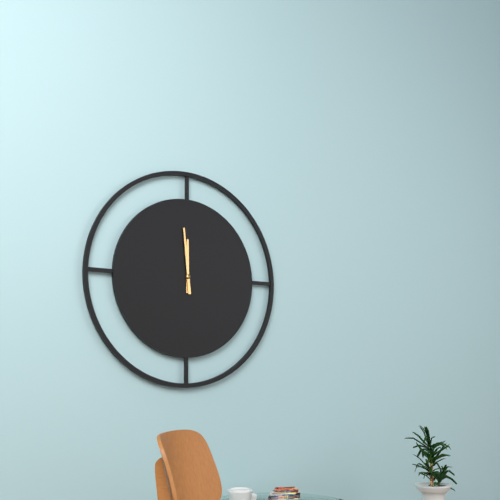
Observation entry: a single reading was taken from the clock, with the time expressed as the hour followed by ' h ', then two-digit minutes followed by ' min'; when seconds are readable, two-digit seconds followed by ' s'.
11 h 59 min
